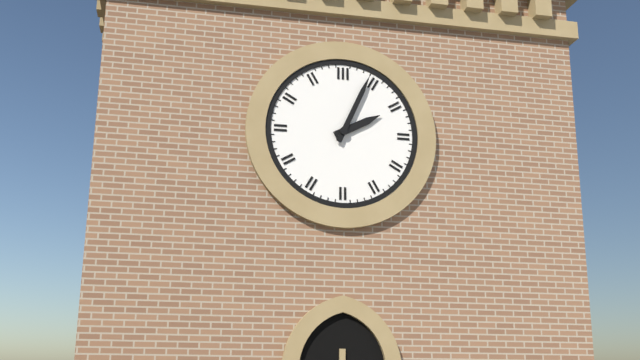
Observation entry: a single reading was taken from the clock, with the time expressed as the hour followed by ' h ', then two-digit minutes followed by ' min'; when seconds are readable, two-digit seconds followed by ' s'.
2 h 04 min
